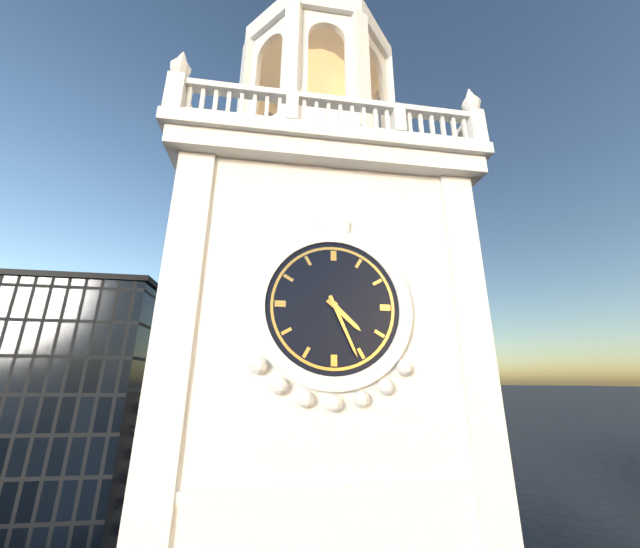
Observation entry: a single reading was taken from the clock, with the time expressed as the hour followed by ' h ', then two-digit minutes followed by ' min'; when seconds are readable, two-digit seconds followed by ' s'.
4 h 26 min
